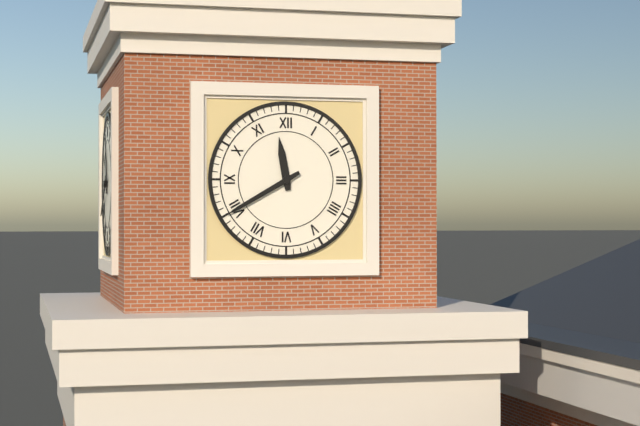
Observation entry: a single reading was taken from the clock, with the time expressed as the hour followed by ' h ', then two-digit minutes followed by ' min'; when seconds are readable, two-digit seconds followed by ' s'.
11 h 40 min
